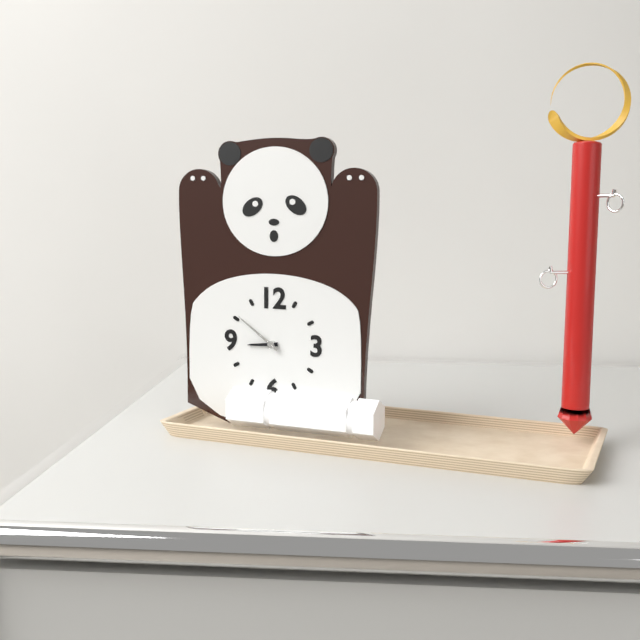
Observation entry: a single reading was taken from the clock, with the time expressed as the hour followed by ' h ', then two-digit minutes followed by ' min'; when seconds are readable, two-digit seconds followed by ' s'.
8 h 51 min
